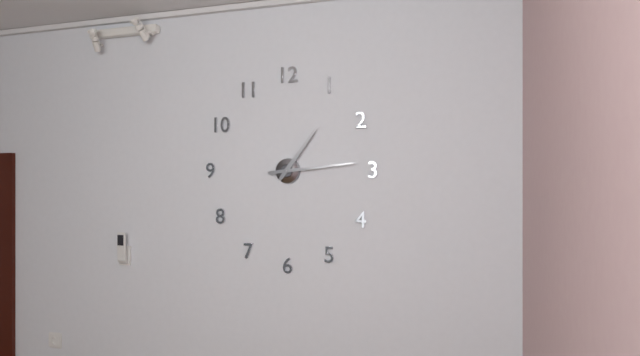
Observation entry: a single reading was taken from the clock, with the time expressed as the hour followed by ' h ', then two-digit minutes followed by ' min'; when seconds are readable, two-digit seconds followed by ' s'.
1 h 14 min
